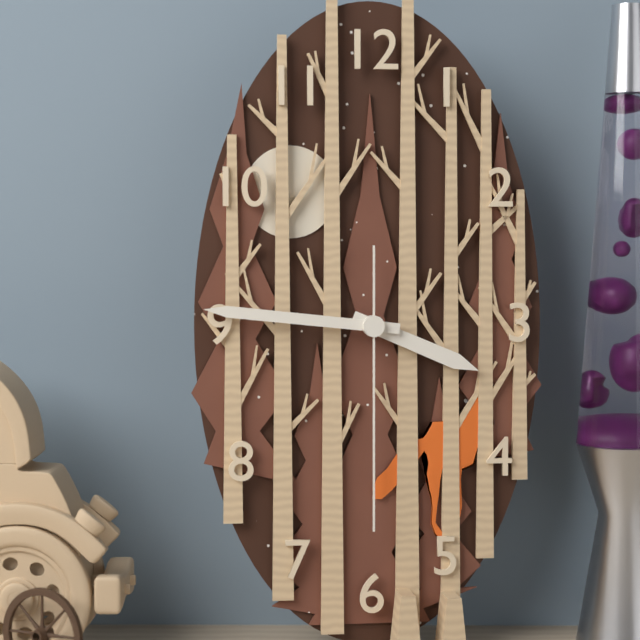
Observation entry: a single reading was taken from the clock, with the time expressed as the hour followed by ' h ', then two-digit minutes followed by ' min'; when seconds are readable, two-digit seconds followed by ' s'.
3 h 46 min 30 s
